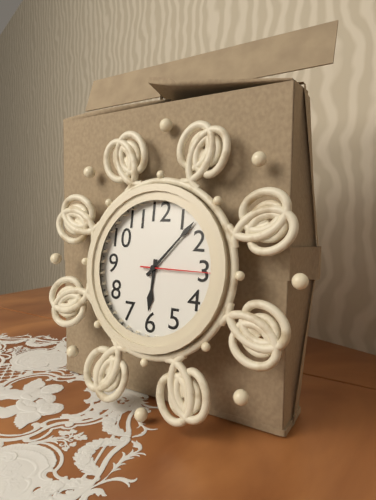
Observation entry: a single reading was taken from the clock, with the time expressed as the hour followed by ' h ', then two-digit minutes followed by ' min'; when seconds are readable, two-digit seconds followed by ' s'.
6 h 07 min 15 s
